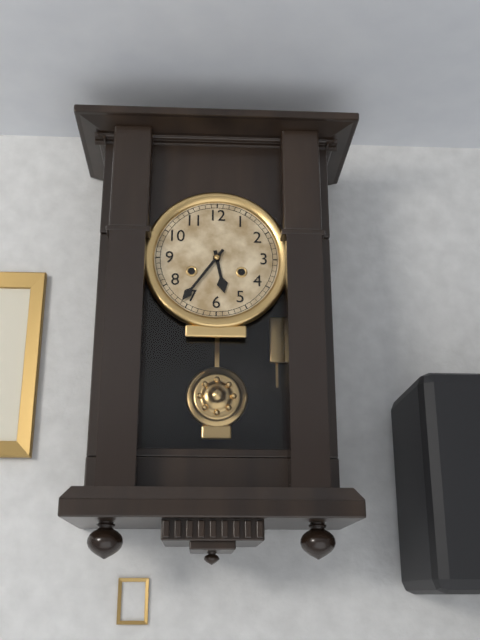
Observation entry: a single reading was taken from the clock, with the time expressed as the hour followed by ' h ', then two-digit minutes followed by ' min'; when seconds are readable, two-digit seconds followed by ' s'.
5 h 36 min
